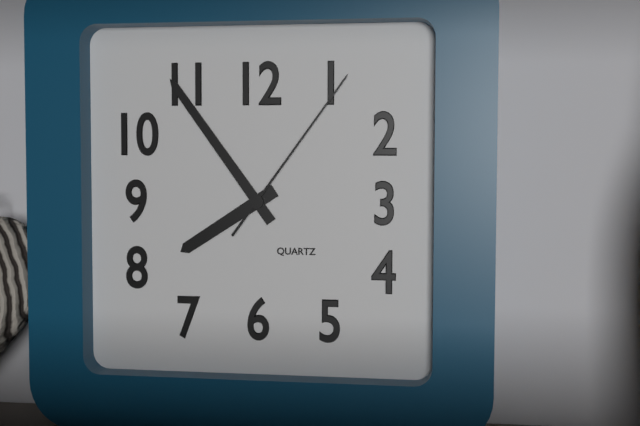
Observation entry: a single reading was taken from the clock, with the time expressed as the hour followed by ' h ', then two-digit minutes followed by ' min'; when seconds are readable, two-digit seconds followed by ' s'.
7 h 54 min 06 s
